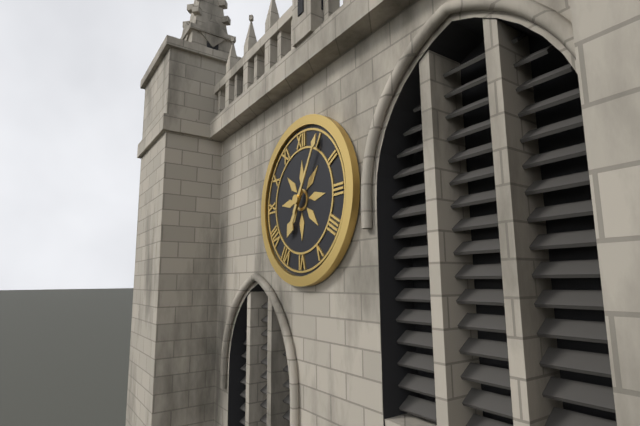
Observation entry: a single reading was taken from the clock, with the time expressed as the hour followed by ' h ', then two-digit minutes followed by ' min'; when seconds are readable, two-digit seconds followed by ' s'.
7 h 05 min
